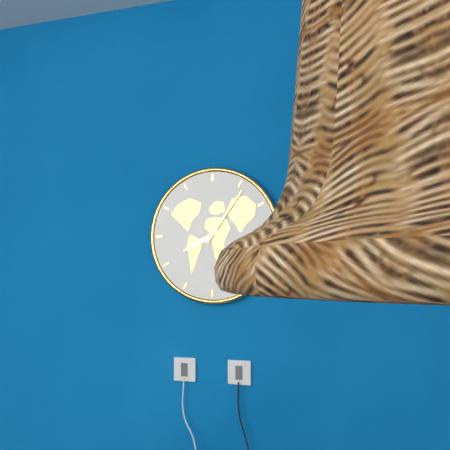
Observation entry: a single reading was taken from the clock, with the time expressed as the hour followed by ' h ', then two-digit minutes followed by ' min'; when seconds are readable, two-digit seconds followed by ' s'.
8 h 06 min
